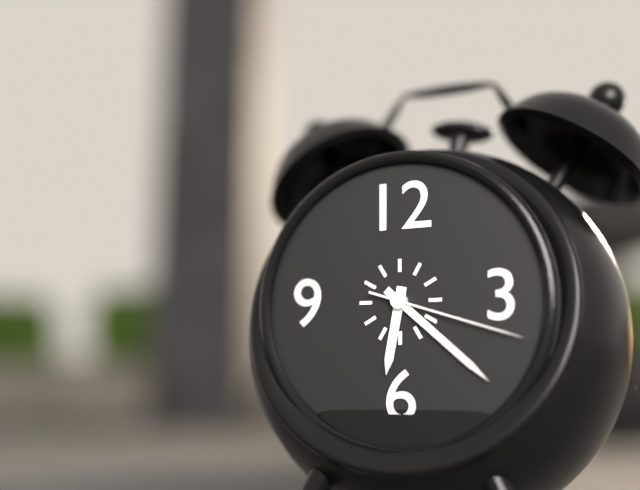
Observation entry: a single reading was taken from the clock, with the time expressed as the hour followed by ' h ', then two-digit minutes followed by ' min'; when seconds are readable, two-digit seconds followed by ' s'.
6 h 22 min 18 s
